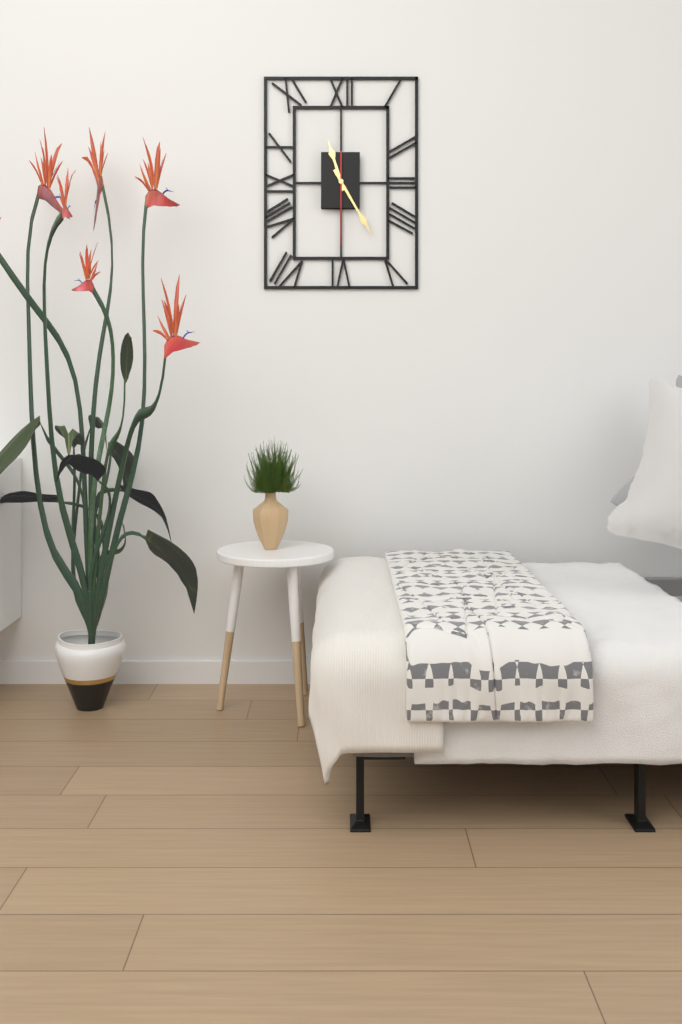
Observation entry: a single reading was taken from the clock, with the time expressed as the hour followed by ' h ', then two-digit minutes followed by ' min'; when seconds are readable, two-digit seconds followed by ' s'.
11 h 25 min 30 s
